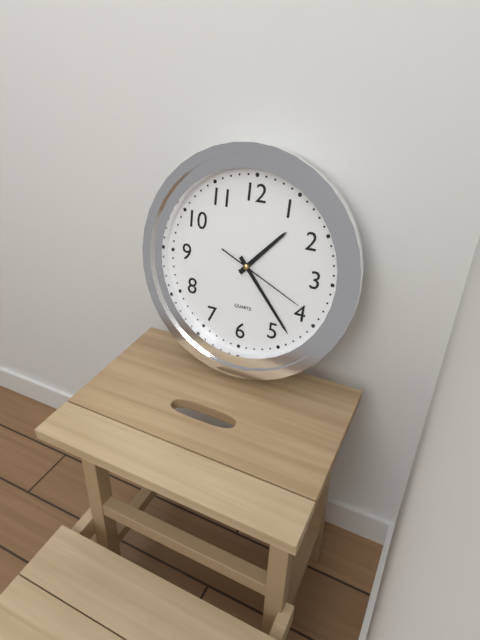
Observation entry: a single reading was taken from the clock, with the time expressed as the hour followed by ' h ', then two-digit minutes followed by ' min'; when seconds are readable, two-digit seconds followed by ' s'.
1 h 23 min 19 s
